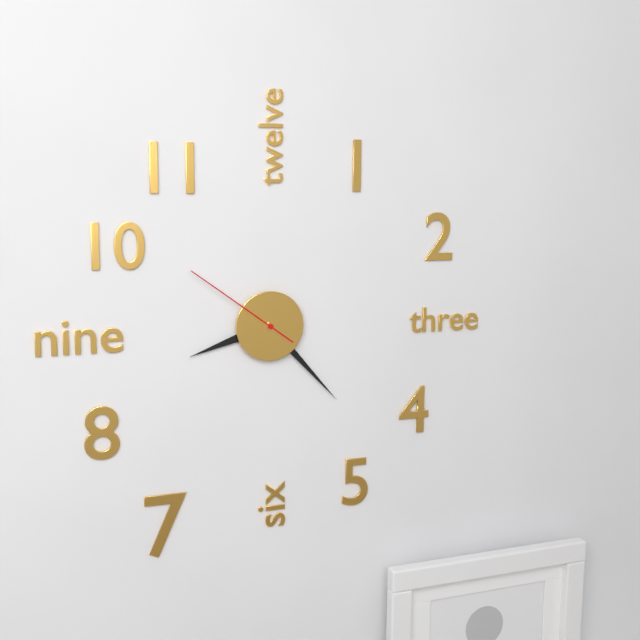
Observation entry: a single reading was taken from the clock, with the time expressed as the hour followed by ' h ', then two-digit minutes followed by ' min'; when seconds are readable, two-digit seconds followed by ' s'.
8 h 23 min 51 s
